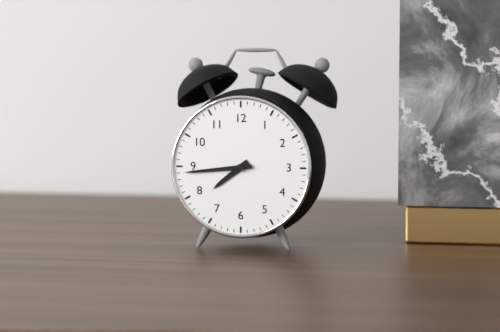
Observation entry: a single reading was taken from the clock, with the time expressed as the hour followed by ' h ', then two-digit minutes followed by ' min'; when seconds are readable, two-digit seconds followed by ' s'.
7 h 44 min
